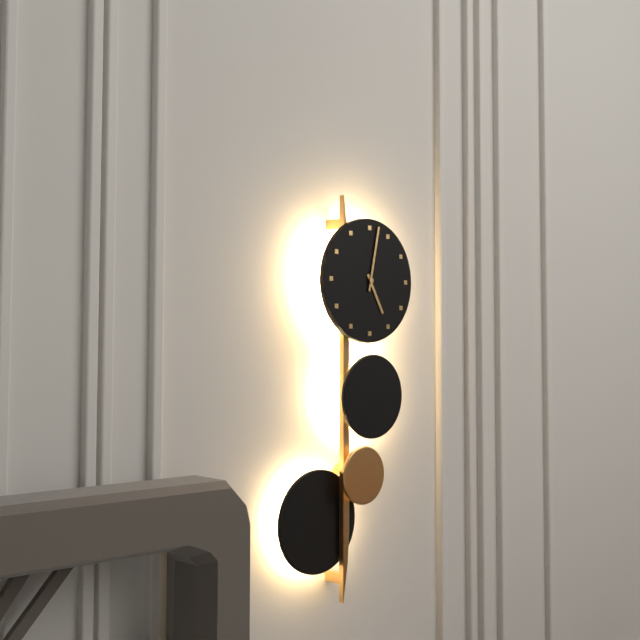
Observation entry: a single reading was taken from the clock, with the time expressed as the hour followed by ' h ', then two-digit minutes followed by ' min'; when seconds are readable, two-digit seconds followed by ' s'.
5 h 02 min
